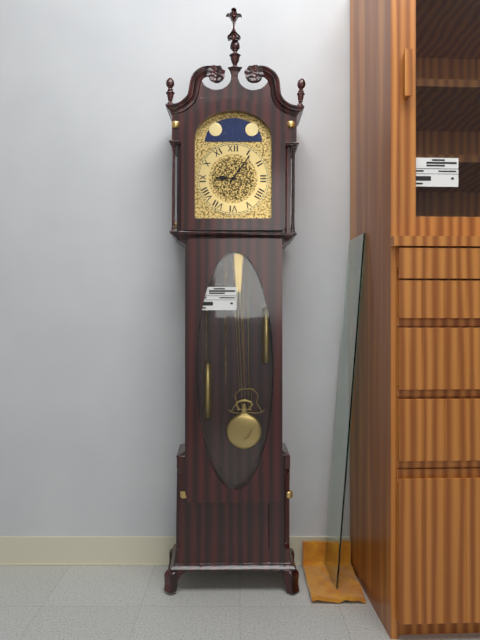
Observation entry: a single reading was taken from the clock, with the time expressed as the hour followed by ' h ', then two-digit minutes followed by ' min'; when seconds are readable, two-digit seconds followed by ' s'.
9 h 06 min
